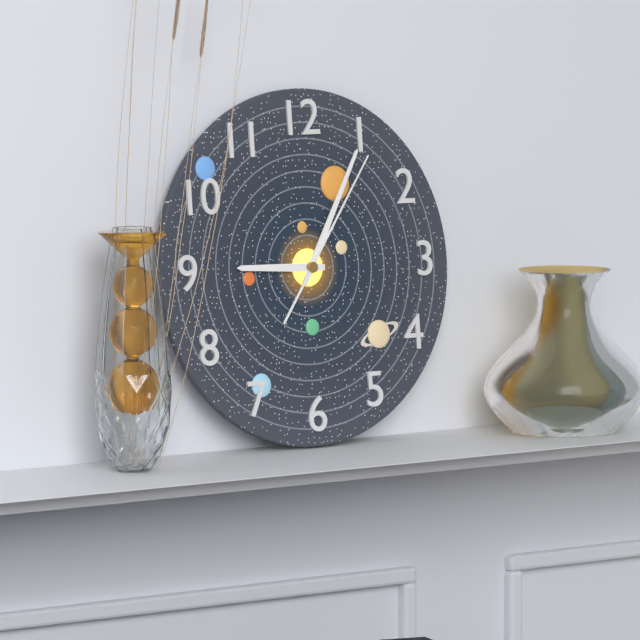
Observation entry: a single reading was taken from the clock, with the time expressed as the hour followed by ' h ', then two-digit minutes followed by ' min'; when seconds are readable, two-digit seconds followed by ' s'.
9 h 05 min 06 s
